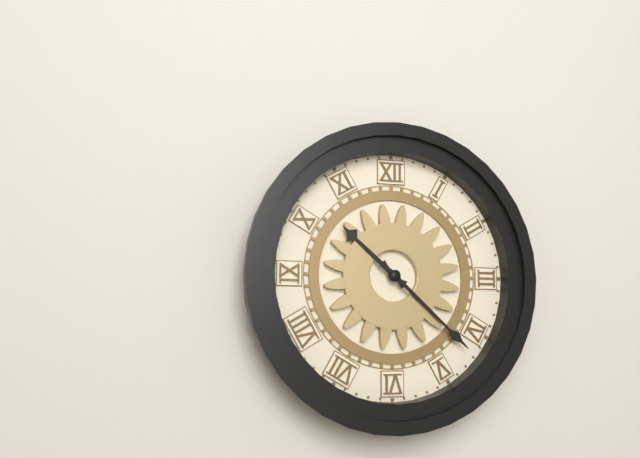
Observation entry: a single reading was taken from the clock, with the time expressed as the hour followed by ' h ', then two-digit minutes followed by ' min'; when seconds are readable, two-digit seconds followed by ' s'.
10 h 22 min
